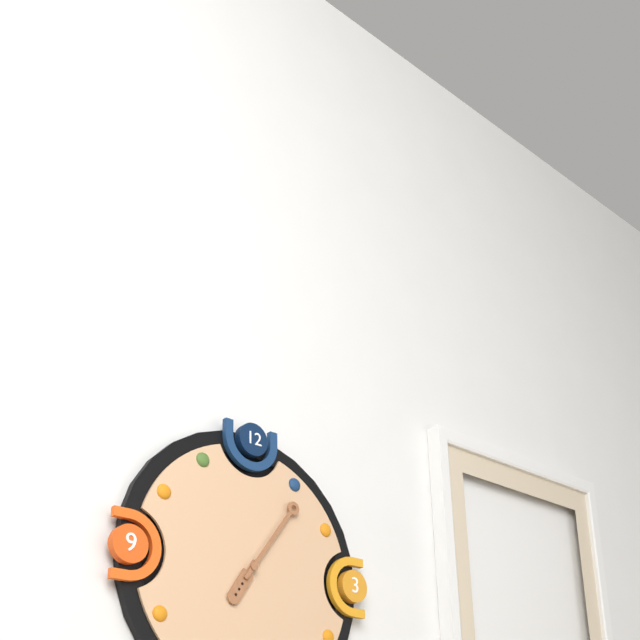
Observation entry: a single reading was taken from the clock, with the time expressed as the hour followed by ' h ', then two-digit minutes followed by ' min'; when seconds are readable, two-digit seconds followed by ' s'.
7 h 06 min
